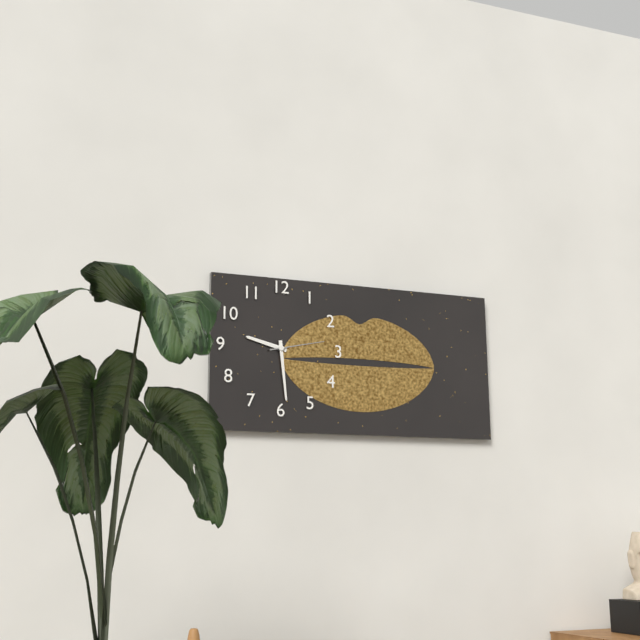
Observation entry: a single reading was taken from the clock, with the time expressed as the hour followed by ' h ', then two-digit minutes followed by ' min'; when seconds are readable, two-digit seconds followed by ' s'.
9 h 29 min 13 s
